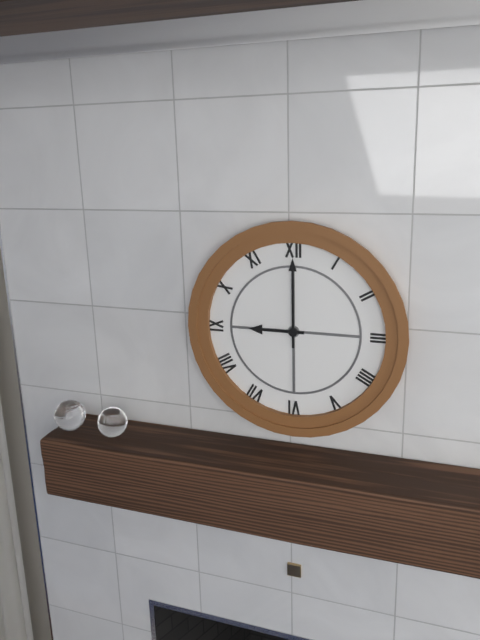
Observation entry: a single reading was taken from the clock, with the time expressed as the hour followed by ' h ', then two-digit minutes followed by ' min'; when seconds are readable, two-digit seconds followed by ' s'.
9 h 00 min
